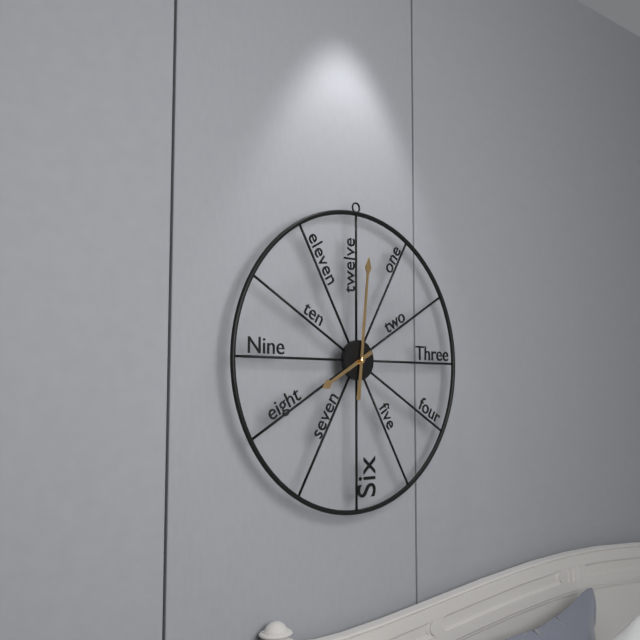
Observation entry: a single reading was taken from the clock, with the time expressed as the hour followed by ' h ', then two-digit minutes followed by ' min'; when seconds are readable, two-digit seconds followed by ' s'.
8 h 01 min
